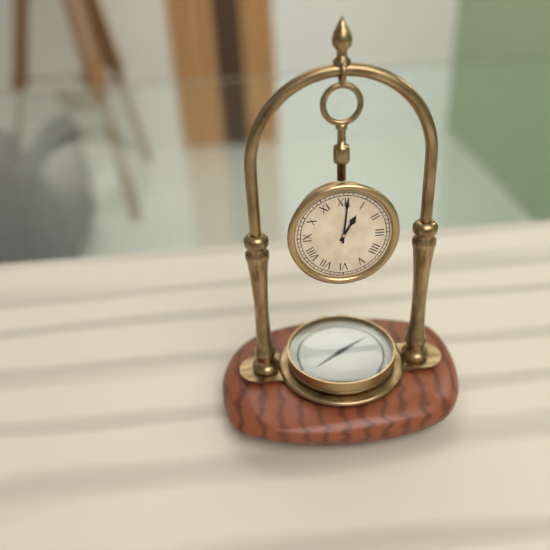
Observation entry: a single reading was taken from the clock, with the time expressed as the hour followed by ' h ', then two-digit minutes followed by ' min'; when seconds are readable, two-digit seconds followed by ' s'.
1 h 01 min
